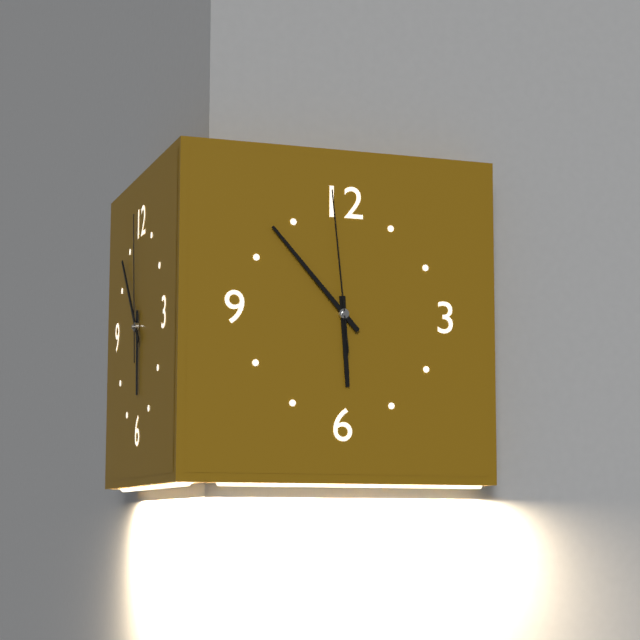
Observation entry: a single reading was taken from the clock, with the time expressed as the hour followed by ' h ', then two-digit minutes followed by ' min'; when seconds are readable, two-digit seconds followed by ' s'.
5 h 53 min 59 s
